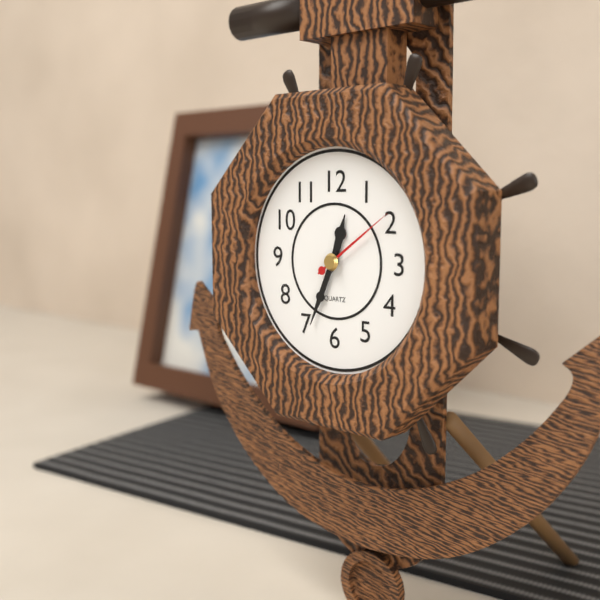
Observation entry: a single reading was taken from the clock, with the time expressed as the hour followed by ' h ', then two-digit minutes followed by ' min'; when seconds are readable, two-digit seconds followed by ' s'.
12 h 34 min 09 s
